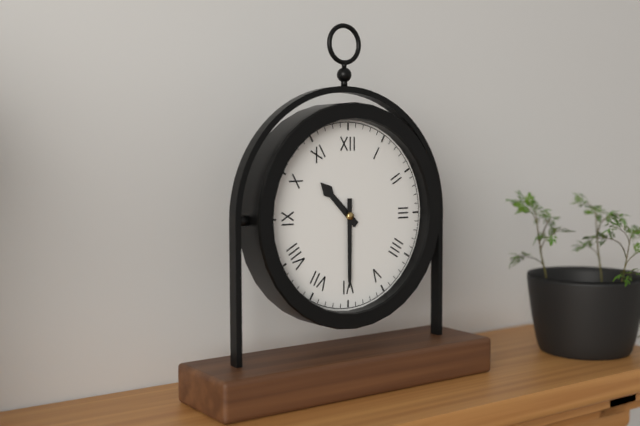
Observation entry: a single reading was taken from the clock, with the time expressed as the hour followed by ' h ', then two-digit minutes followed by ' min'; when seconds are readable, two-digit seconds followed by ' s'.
10 h 30 min
